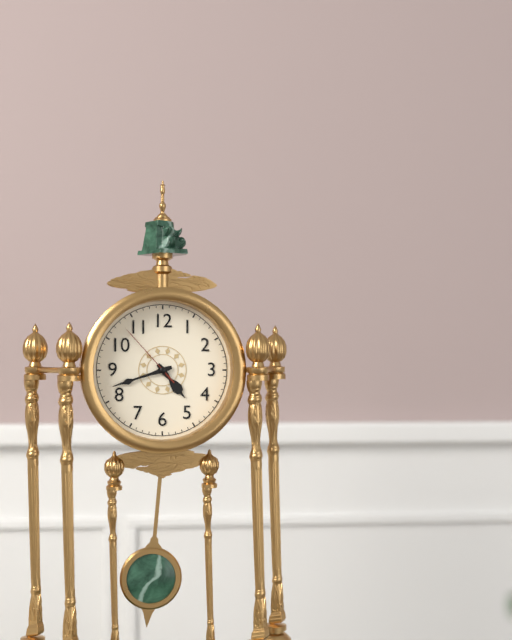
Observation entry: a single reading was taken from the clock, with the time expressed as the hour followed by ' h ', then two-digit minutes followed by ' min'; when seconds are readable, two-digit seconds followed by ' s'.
4 h 42 min 53 s
